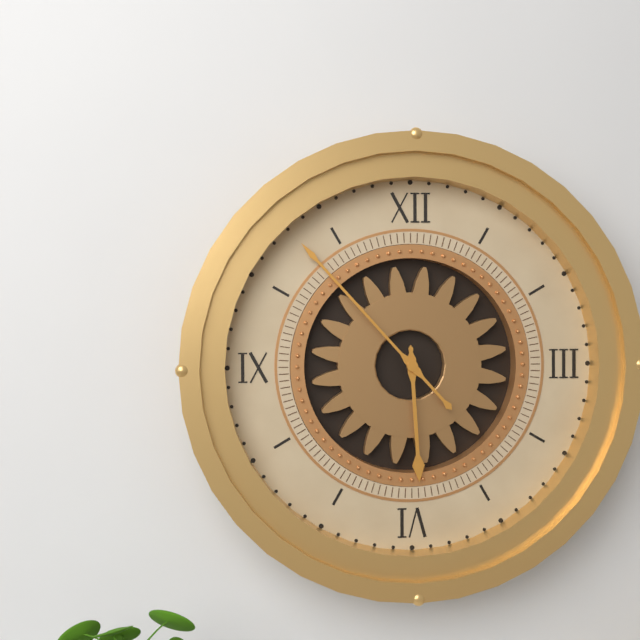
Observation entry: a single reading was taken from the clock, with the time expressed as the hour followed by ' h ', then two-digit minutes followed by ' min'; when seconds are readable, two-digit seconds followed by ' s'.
5 h 53 min
